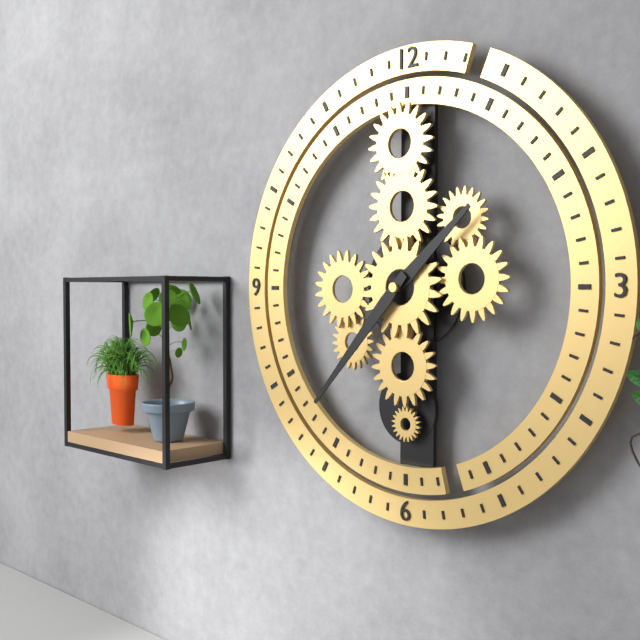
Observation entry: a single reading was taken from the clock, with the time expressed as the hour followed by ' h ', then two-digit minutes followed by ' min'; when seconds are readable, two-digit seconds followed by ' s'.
1 h 37 min
